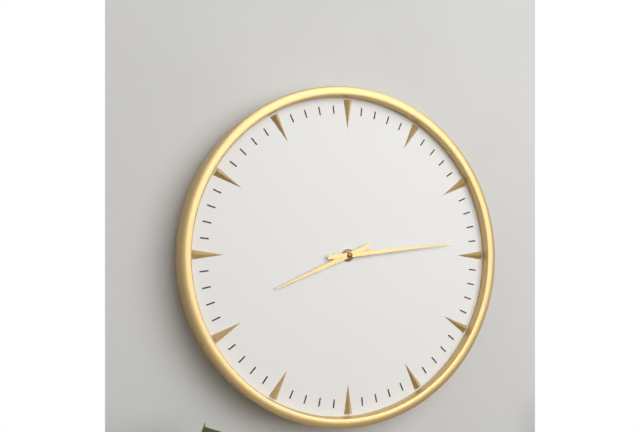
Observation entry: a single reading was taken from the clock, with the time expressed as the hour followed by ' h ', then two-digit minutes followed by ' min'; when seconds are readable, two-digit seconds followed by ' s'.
8 h 14 min
